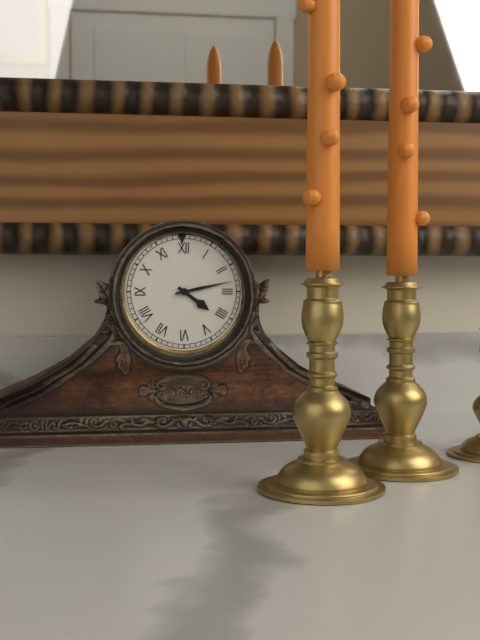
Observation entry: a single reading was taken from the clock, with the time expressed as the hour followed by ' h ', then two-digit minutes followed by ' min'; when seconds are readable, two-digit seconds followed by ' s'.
4 h 13 min
